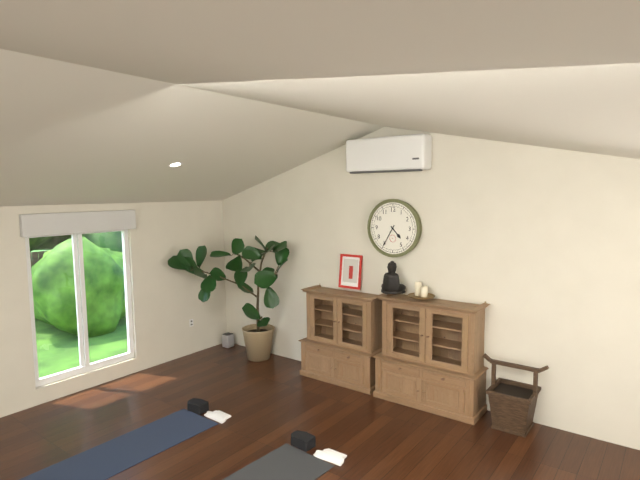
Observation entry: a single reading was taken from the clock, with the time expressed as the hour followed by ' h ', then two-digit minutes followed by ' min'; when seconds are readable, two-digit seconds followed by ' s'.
4 h 35 min
